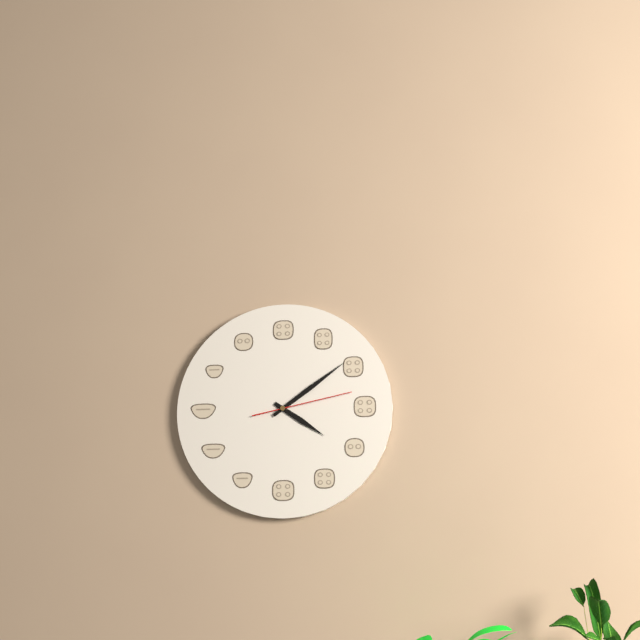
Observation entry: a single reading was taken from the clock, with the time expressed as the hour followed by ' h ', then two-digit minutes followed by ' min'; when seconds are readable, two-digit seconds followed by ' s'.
4 h 09 min 13 s
